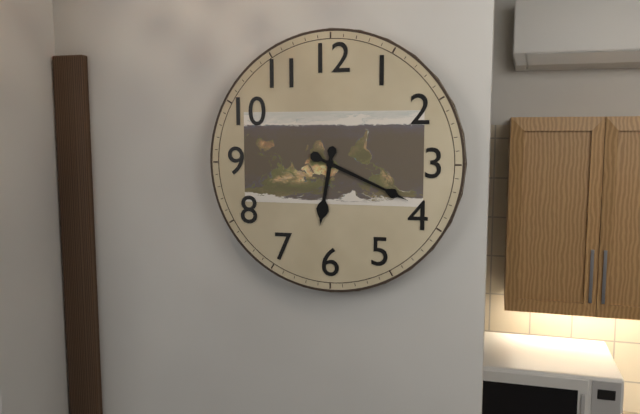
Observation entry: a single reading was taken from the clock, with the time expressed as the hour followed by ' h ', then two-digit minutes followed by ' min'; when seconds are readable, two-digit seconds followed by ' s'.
6 h 19 min
